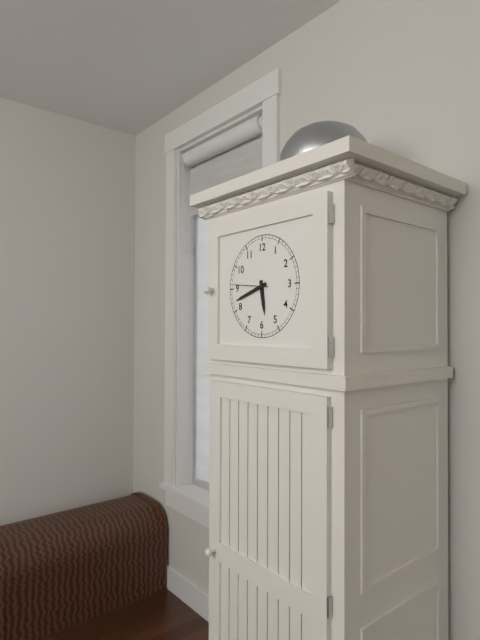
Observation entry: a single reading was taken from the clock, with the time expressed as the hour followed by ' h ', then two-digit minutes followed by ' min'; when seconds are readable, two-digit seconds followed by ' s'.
5 h 42 min
